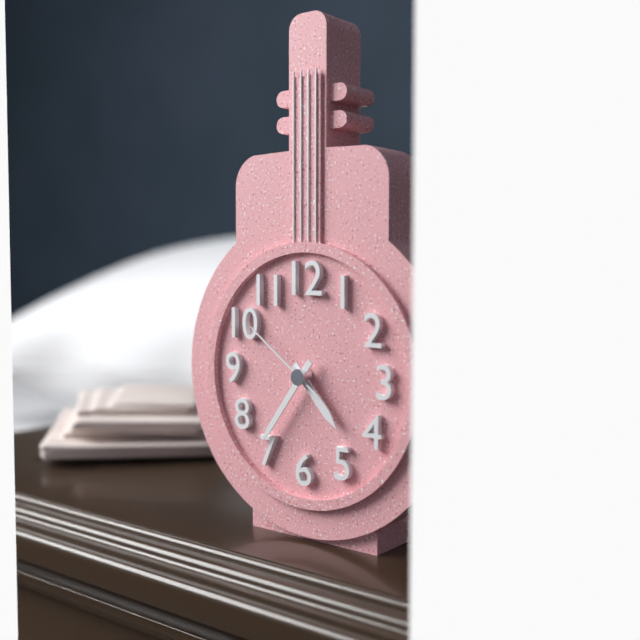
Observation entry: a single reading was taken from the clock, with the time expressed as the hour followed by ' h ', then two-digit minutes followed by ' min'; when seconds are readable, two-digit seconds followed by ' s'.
4 h 36 min 51 s
